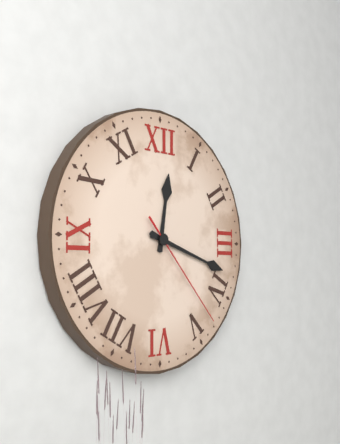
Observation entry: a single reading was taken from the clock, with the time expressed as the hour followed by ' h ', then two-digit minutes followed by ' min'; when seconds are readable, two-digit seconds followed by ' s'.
12 h 18 min 23 s
